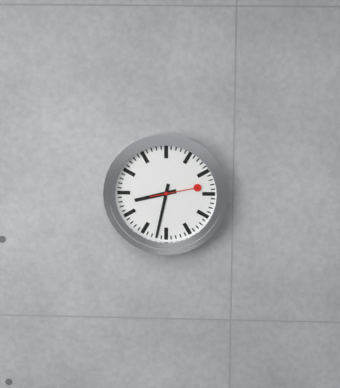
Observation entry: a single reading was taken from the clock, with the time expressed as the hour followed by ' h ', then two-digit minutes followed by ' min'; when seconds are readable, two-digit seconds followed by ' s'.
8 h 32 min
